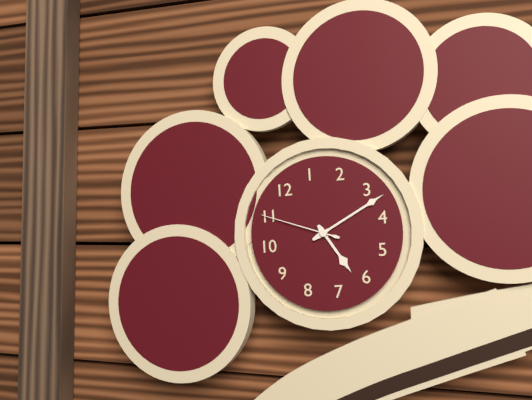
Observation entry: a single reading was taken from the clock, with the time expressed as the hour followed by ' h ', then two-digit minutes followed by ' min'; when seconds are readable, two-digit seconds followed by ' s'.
6 h 17 min 55 s
